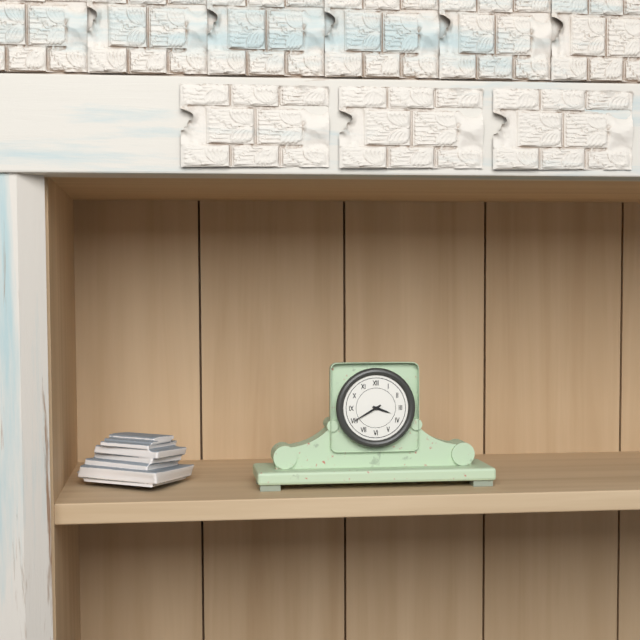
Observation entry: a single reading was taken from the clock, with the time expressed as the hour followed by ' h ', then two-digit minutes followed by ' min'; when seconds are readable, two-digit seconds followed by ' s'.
3 h 40 min
